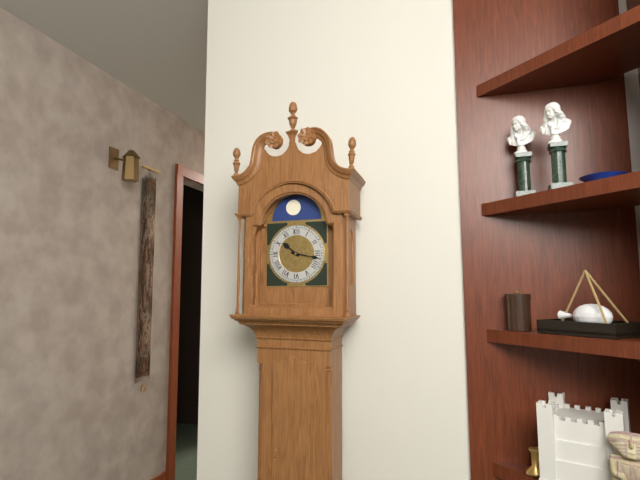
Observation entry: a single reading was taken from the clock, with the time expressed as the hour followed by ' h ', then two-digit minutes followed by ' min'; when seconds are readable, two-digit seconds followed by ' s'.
10 h 17 min
